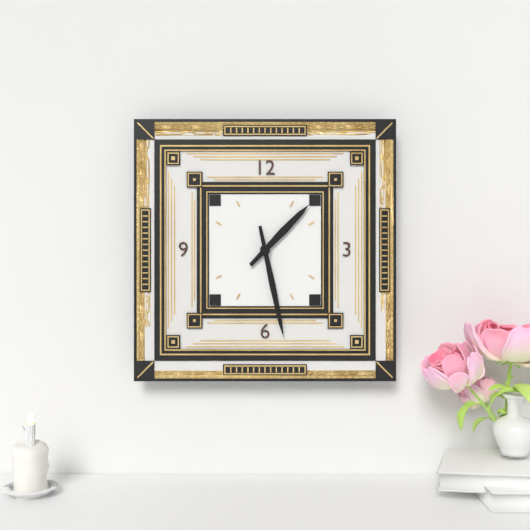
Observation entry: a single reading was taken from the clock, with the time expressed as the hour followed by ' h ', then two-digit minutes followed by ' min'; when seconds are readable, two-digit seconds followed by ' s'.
1 h 28 min
